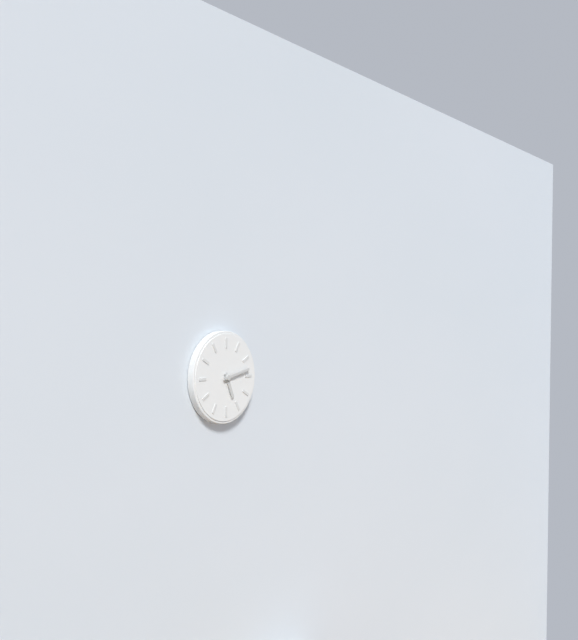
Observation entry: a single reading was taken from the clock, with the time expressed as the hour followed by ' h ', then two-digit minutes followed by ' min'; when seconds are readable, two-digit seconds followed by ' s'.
5 h 13 min
